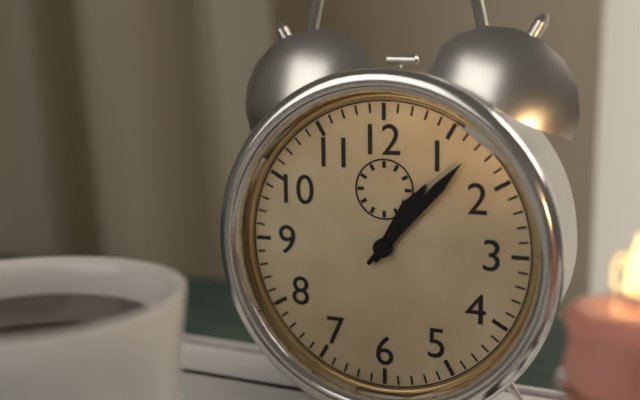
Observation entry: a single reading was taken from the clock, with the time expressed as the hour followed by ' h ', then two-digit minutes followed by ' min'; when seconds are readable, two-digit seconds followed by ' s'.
1 h 07 min
